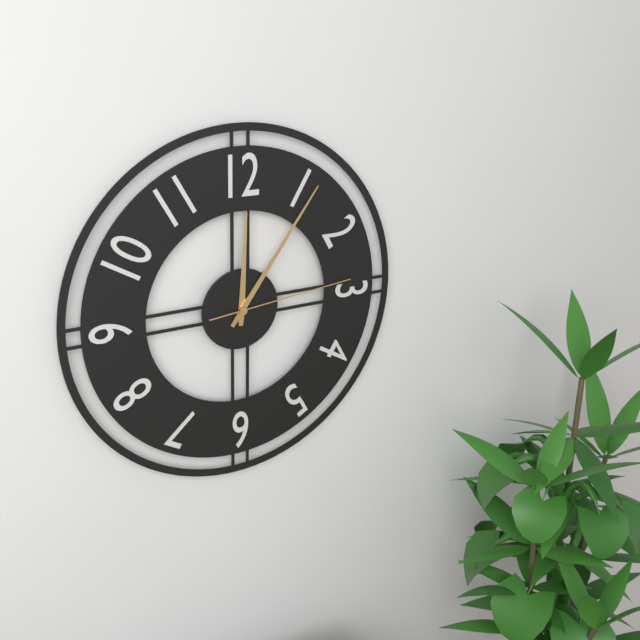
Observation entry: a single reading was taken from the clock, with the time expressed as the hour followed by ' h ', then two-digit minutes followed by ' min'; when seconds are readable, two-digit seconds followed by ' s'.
12 h 06 min 14 s
